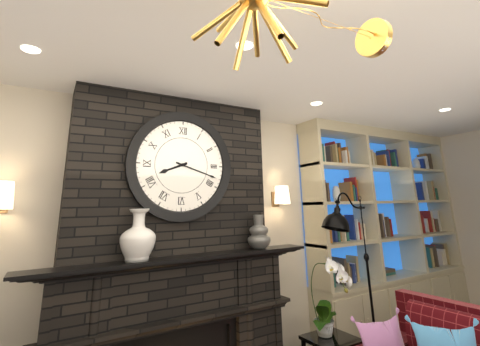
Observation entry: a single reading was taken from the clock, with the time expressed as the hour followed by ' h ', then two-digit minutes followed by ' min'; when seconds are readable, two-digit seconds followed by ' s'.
8 h 18 min
